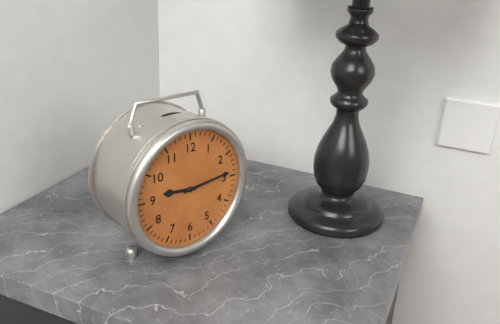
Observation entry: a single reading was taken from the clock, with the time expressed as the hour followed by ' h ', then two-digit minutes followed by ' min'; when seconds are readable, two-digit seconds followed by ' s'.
9 h 14 min
